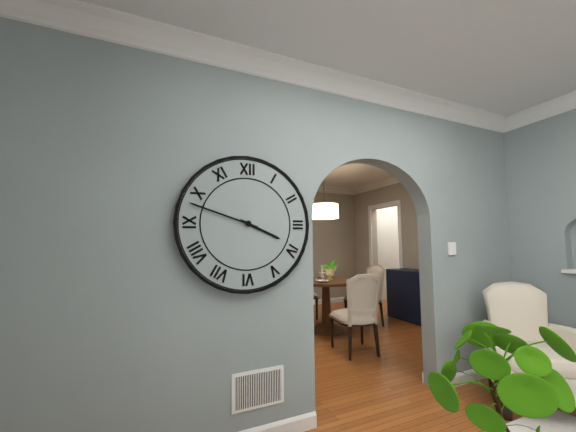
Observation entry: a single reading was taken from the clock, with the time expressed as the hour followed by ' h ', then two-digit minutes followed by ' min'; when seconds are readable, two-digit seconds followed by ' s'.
3 h 48 min
